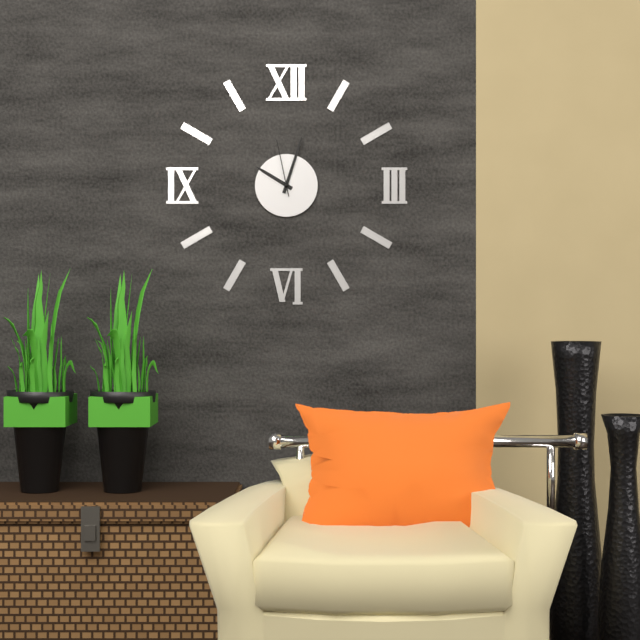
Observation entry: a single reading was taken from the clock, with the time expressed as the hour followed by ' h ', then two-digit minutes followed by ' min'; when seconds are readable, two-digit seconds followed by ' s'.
10 h 03 min 58 s
